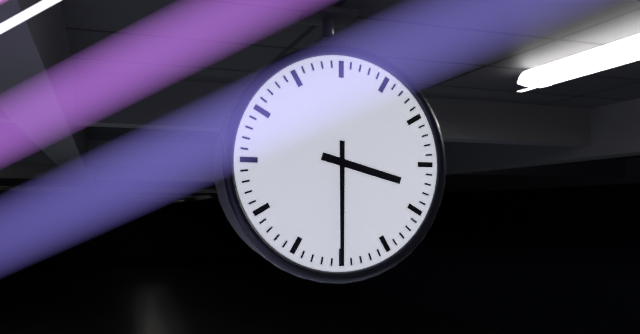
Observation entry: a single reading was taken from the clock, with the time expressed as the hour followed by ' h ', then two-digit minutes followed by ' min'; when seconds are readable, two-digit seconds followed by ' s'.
3 h 30 min
